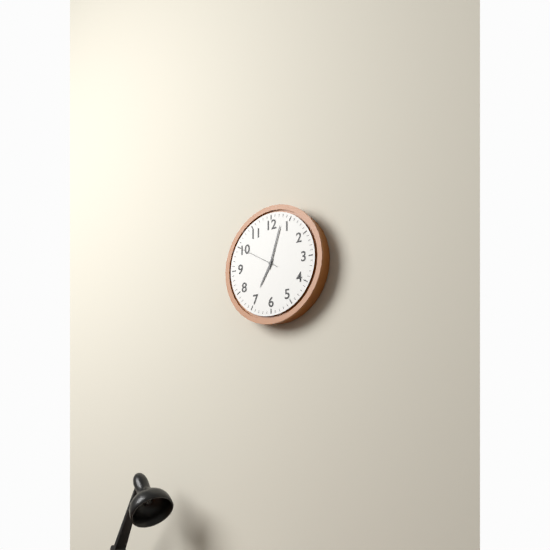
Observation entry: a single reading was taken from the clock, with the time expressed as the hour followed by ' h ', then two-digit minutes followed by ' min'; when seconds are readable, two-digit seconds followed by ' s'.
7 h 03 min
